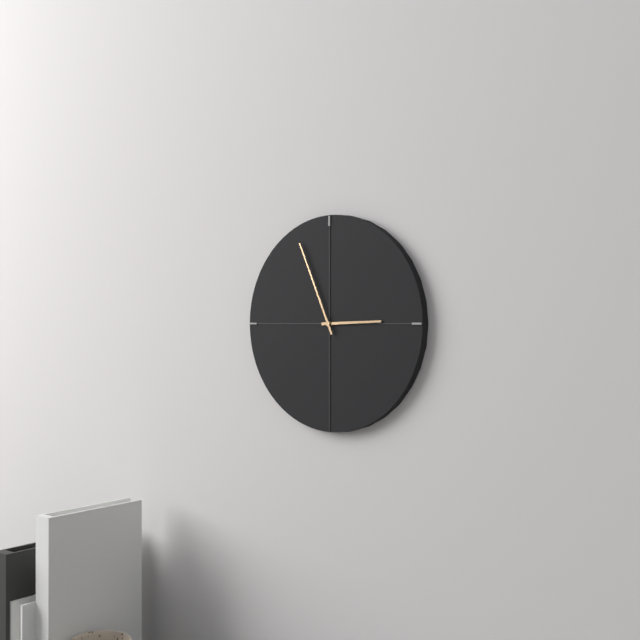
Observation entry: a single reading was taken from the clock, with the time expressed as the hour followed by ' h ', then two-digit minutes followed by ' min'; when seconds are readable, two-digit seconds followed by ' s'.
2 h 56 min
